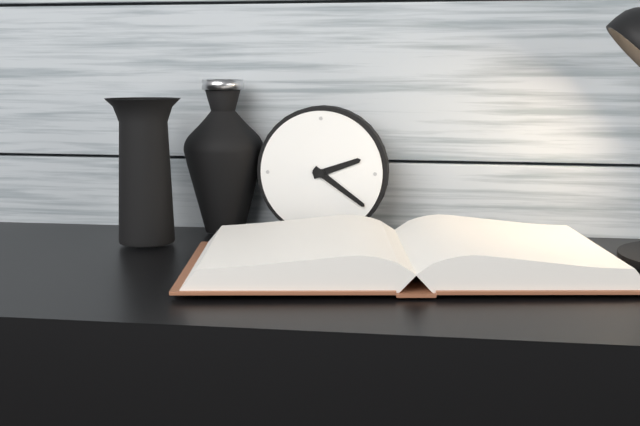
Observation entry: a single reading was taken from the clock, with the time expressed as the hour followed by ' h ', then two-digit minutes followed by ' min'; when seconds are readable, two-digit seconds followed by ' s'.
2 h 21 min
